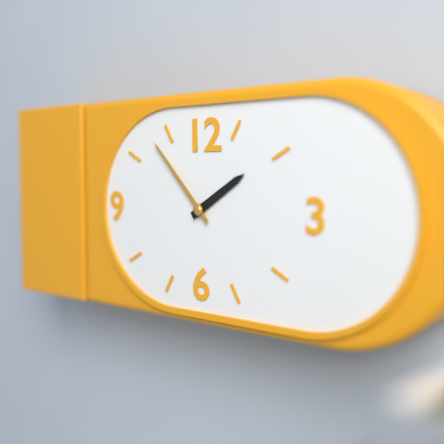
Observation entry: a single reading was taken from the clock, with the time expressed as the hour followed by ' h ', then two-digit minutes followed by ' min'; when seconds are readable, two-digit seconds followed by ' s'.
1 h 53 min
